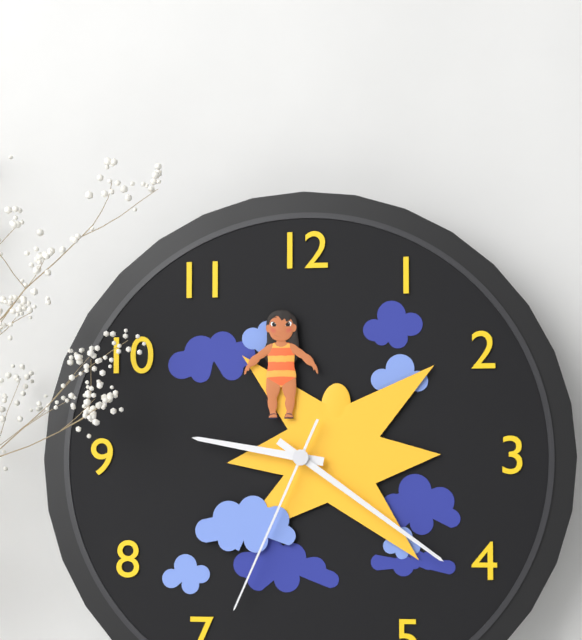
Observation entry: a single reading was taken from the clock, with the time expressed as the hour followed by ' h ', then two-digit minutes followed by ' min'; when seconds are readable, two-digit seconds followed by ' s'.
9 h 21 min 34 s
